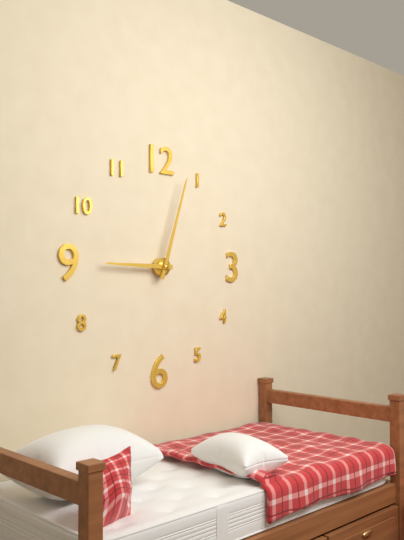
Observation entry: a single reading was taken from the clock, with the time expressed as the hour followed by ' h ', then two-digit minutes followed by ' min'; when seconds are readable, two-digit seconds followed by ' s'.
9 h 03 min
